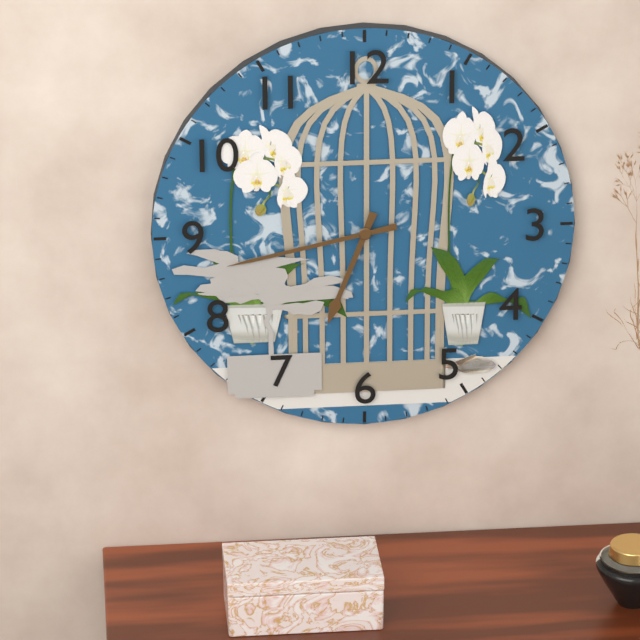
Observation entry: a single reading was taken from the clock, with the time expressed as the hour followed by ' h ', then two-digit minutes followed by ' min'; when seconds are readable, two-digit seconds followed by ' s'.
6 h 43 min
